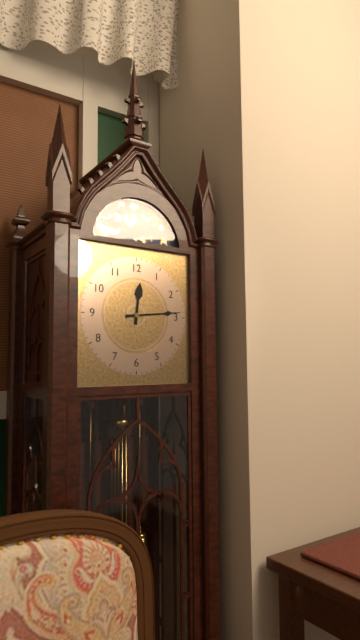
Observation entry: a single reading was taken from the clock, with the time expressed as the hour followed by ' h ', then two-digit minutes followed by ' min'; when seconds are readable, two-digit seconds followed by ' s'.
12 h 14 min
